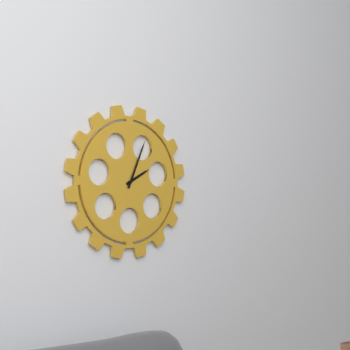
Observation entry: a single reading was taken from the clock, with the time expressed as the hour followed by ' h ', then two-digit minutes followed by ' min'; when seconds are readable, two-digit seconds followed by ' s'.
2 h 04 min
